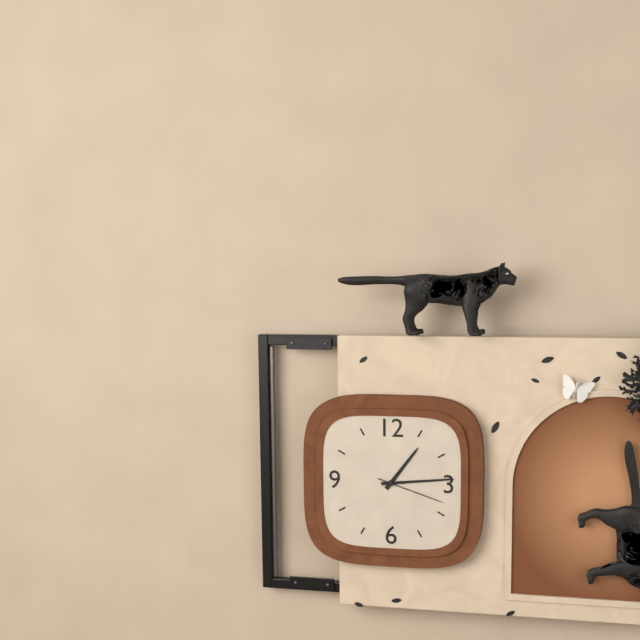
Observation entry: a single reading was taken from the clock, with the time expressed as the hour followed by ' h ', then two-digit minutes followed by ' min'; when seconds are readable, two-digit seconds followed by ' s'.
1 h 14 min 18 s
